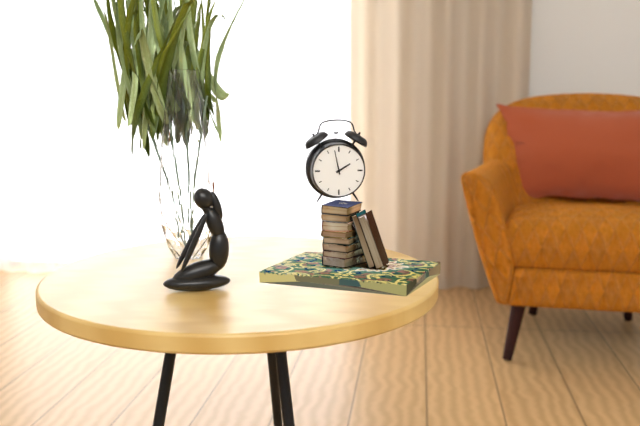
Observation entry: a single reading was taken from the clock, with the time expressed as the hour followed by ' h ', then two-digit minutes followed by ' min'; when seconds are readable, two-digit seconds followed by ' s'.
1 h 58 min
